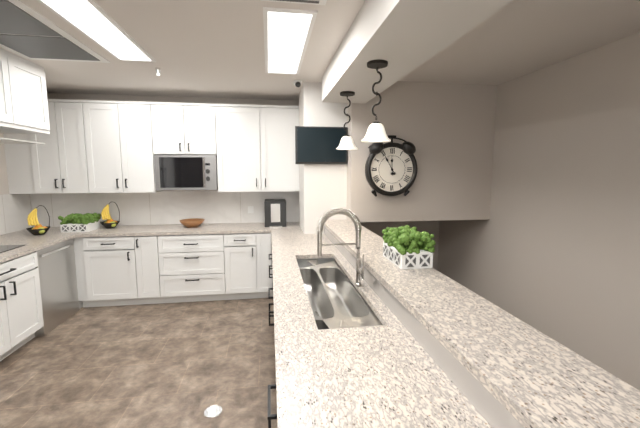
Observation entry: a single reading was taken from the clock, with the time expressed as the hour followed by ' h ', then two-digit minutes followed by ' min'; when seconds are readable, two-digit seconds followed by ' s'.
11 h 55 min
